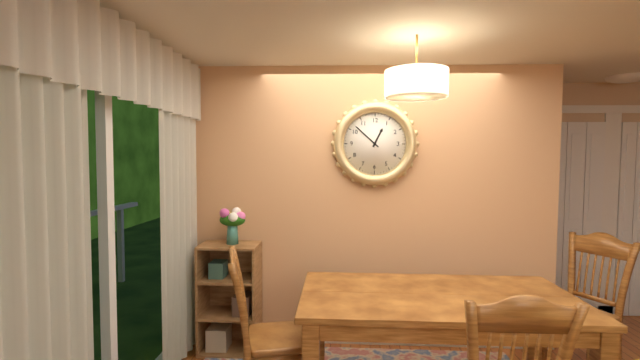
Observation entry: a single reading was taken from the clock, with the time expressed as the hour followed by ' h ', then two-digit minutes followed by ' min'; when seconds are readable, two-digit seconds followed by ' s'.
12 h 52 min
